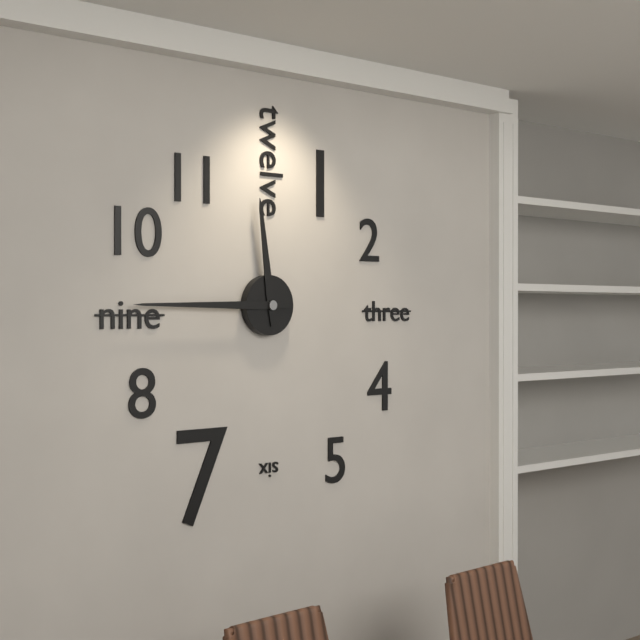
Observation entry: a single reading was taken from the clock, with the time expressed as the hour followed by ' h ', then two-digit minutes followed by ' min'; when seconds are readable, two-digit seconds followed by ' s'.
11 h 45 min
